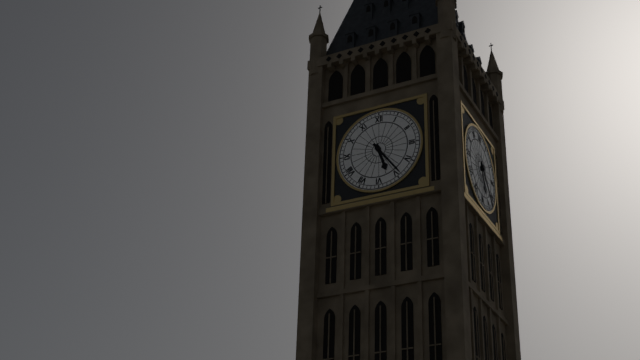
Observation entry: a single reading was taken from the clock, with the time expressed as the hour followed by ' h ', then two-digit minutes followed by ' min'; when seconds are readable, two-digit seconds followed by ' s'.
5 h 24 min
